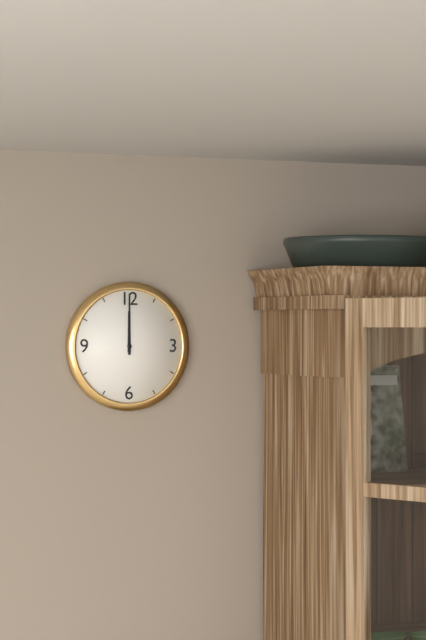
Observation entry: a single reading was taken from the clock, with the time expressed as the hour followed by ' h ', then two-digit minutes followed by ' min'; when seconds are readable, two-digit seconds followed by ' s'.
12 h 00 min
